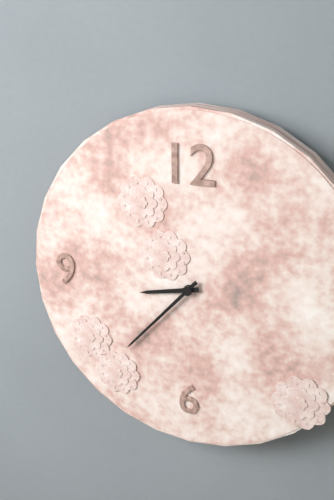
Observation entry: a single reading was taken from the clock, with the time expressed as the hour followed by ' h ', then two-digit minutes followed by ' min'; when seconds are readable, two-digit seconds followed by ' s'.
8 h 37 min
